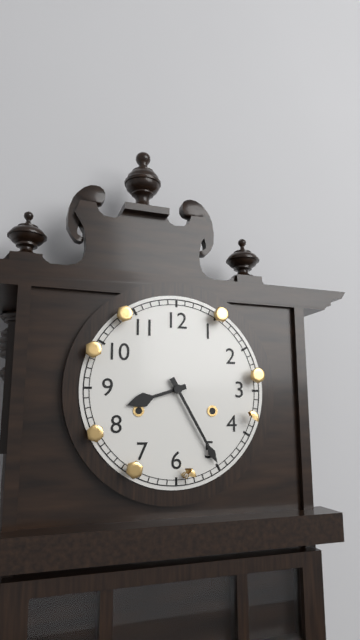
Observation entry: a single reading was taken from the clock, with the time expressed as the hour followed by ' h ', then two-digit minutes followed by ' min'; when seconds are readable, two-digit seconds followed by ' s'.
8 h 25 min
